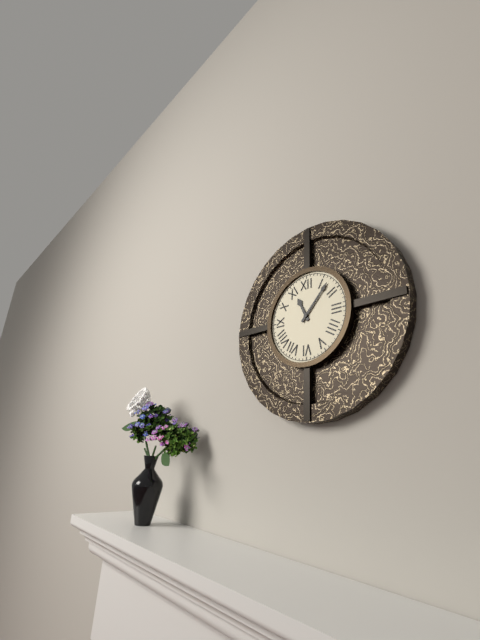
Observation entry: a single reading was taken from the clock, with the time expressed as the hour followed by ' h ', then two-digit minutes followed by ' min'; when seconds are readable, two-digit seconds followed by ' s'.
11 h 07 min
